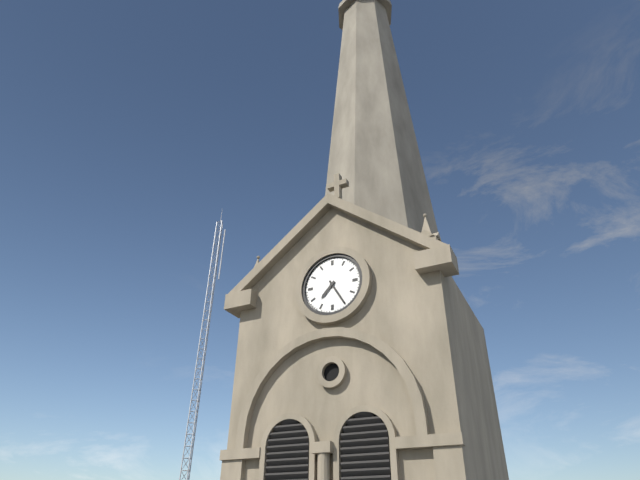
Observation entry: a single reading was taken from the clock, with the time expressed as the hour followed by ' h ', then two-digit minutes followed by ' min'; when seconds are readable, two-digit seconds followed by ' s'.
7 h 25 min
